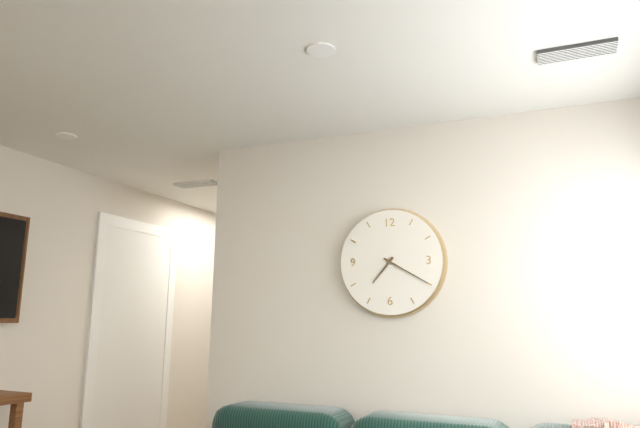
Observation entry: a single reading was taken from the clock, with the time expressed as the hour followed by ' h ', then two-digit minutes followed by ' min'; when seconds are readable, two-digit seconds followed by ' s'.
7 h 20 min
